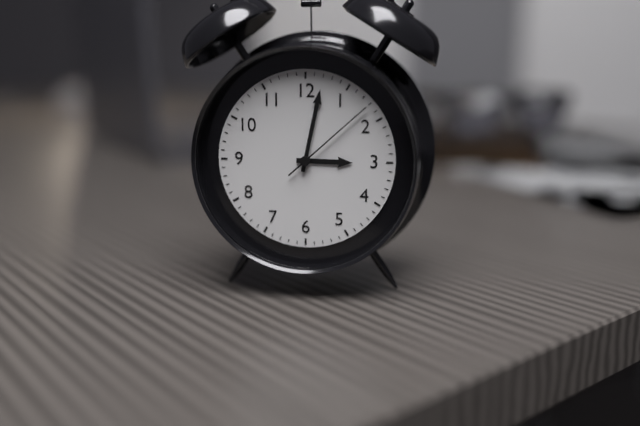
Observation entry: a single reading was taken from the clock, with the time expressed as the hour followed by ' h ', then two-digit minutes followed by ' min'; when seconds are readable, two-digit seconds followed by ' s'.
3 h 02 min 08 s
